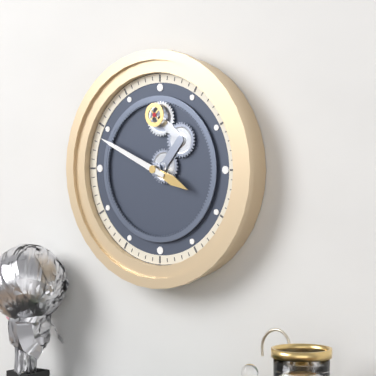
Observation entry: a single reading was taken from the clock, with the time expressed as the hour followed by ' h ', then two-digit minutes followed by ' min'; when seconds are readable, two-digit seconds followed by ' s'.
3 h 49 min
